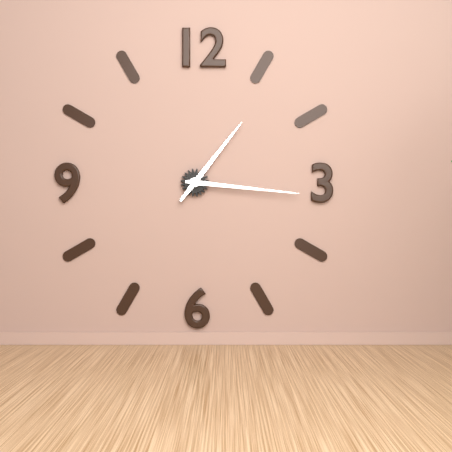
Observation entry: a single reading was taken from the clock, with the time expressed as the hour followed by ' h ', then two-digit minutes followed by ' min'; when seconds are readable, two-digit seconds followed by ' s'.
1 h 16 min
